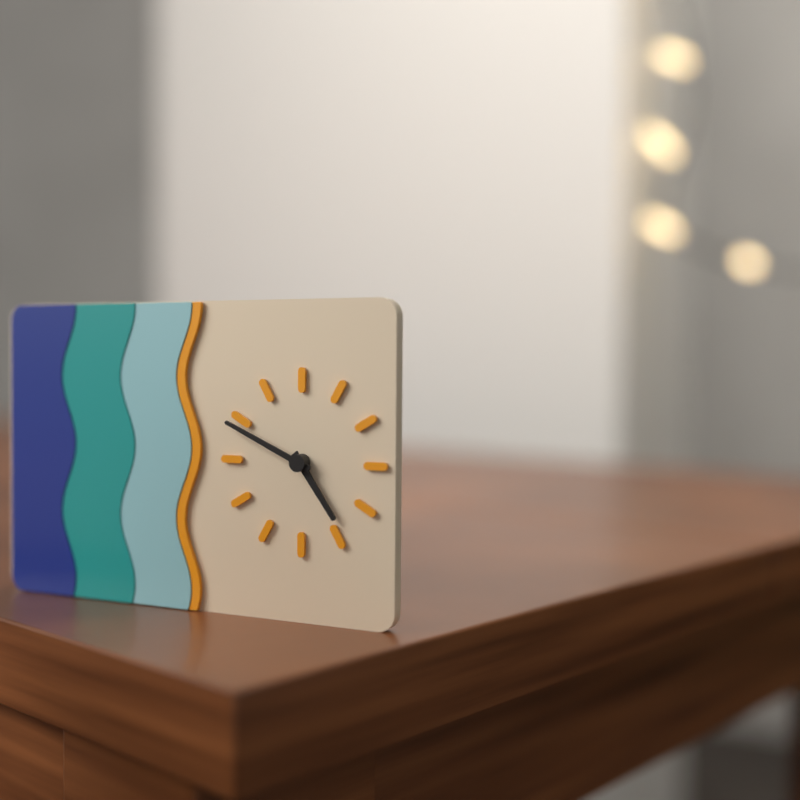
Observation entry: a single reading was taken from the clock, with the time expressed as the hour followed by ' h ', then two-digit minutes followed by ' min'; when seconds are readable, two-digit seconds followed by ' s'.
4 h 49 min
